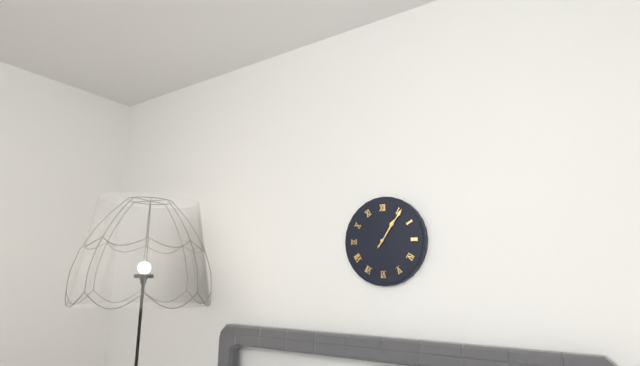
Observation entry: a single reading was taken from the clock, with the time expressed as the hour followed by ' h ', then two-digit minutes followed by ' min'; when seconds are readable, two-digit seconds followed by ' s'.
1 h 06 min
